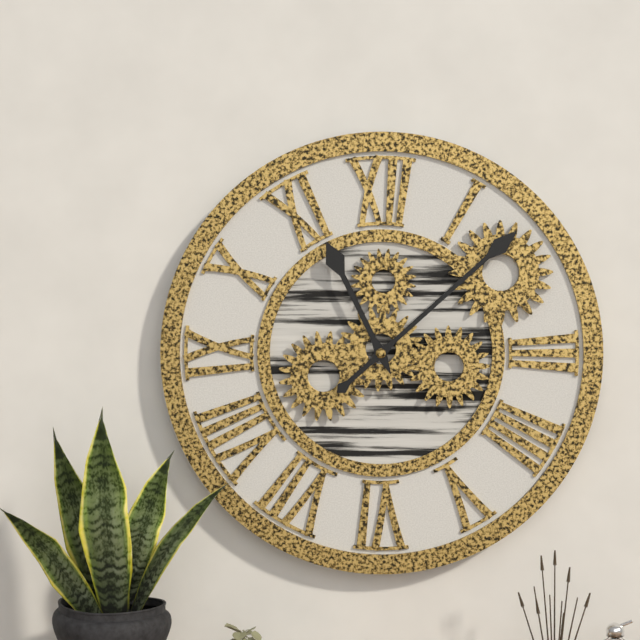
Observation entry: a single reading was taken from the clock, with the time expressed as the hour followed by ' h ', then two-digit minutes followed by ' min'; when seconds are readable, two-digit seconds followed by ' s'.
11 h 08 min
